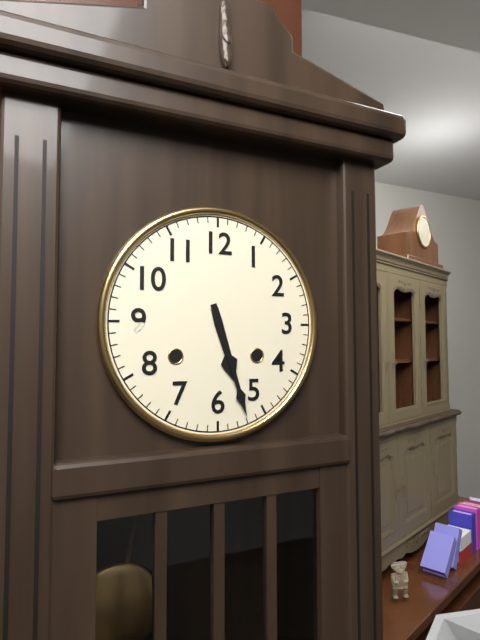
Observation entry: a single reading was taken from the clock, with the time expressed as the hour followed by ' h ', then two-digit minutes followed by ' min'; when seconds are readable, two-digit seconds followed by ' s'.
5 h 27 min
